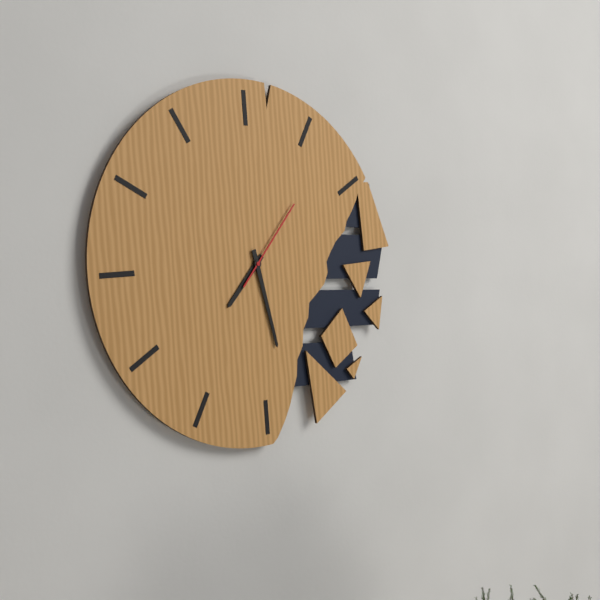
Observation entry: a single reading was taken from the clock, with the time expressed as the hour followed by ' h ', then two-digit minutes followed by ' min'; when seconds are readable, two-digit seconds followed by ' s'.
7 h 28 min 07 s
